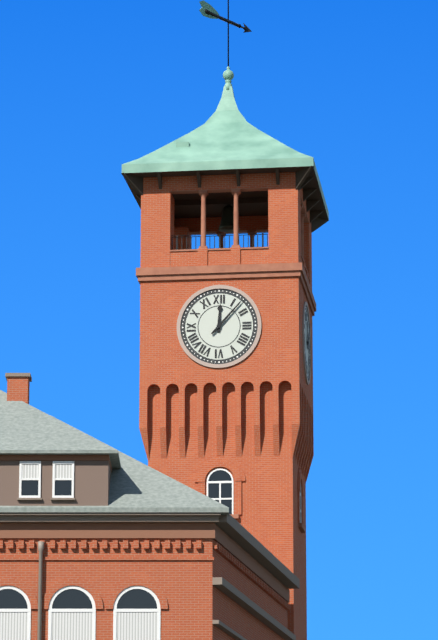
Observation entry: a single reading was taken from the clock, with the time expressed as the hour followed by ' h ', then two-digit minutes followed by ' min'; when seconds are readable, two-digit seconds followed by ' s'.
12 h 07 min
